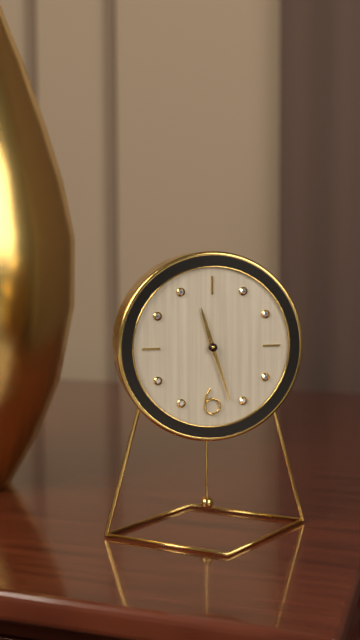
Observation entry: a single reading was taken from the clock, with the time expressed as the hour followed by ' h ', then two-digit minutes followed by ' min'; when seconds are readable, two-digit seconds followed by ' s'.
11 h 27 min
